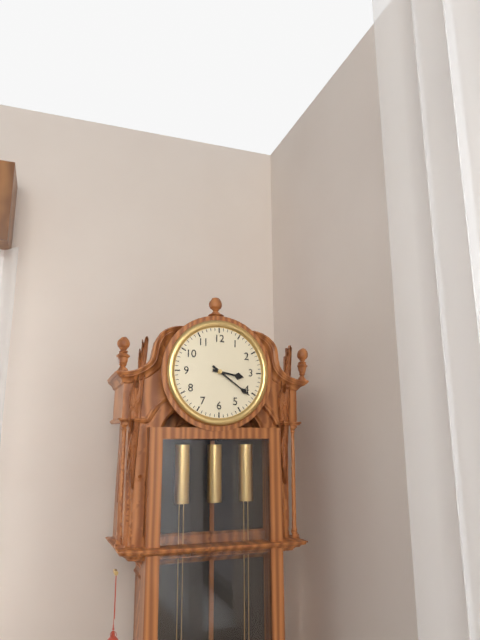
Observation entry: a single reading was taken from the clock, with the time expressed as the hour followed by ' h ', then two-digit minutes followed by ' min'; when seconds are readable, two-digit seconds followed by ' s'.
3 h 21 min
